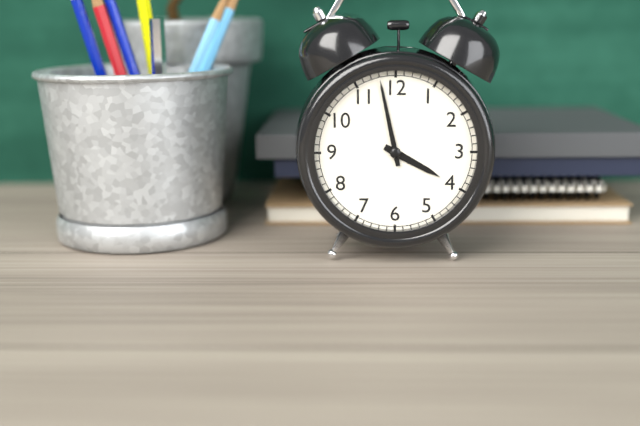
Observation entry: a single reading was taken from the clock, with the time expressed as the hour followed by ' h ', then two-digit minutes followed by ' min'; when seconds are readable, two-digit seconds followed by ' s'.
3 h 58 min
